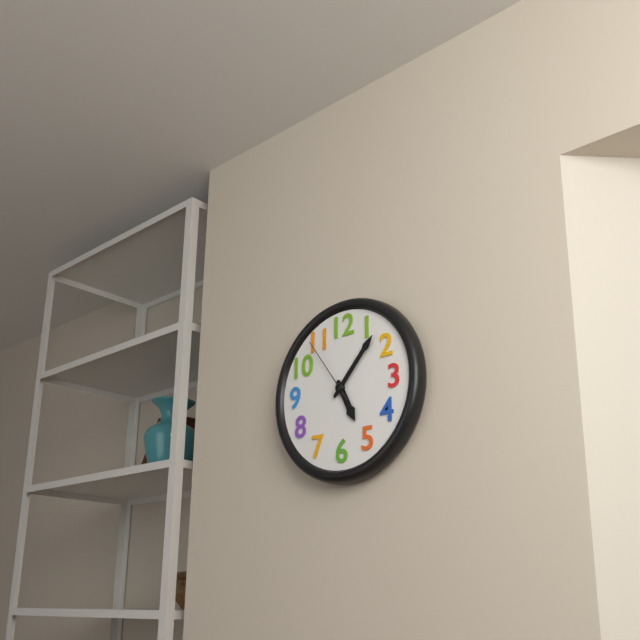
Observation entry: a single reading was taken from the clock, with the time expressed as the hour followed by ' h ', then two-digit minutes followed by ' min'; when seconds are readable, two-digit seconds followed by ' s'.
5 h 07 min 54 s
